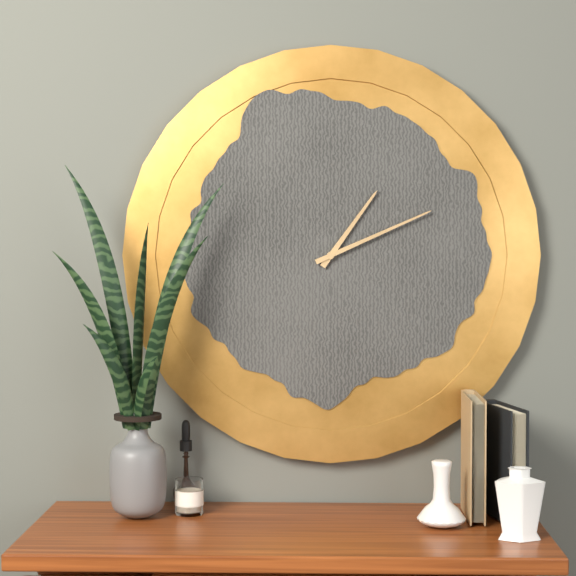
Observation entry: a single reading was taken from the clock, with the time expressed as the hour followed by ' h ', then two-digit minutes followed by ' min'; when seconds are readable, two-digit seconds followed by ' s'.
1 h 11 min
